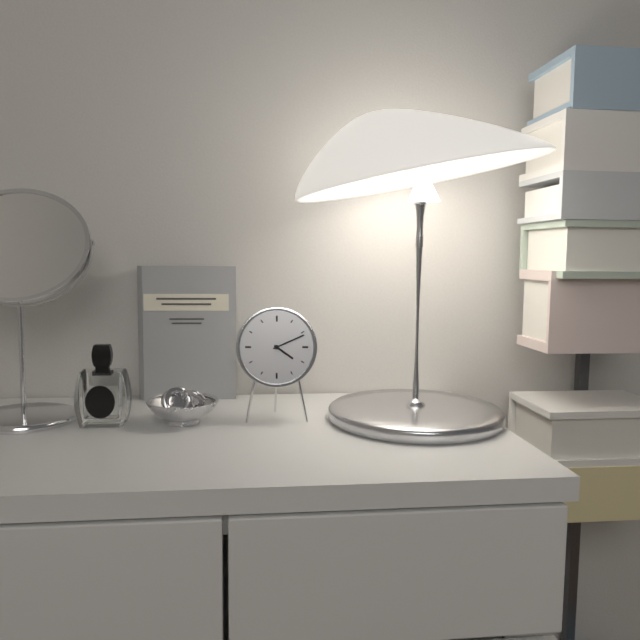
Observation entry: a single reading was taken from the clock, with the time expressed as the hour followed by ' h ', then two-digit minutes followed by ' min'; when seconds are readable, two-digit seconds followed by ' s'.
4 h 11 min
